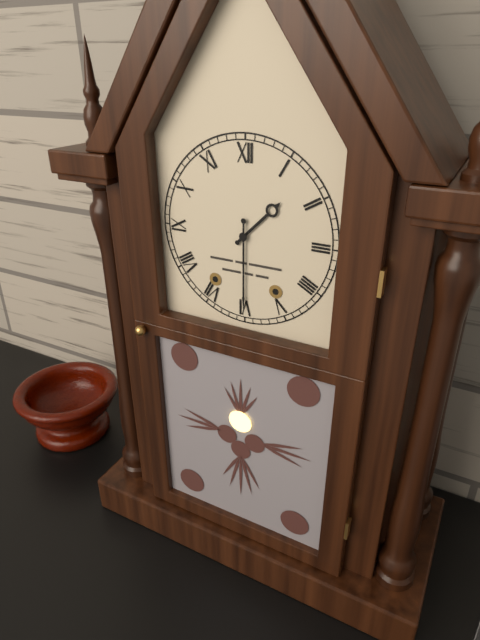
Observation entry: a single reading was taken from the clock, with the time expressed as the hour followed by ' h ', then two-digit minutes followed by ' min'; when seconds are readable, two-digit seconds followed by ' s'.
1 h 30 min
